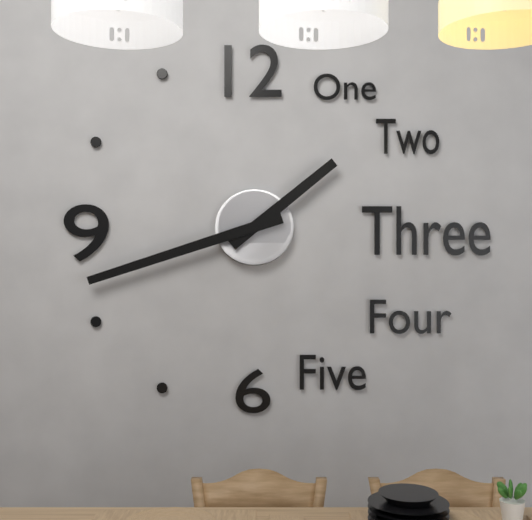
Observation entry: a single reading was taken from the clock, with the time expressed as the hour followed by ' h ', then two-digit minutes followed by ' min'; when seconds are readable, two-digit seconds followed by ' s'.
1 h 42 min
